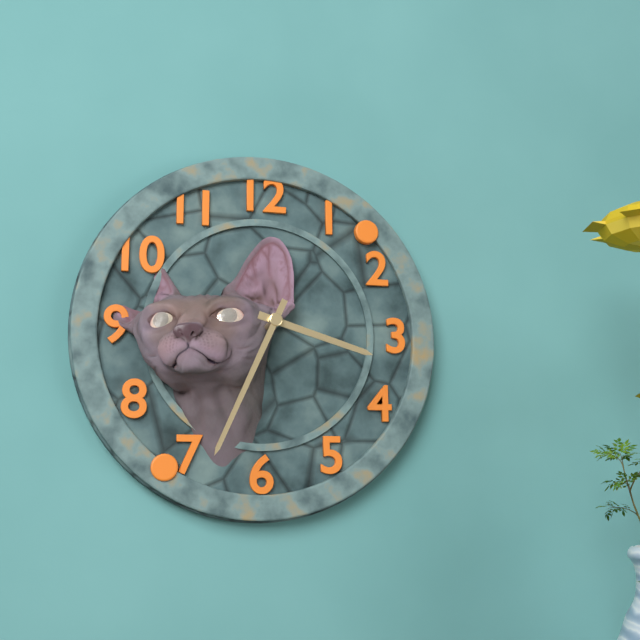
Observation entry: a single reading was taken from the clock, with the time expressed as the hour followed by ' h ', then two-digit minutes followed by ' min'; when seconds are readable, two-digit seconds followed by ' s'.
3 h 34 min
